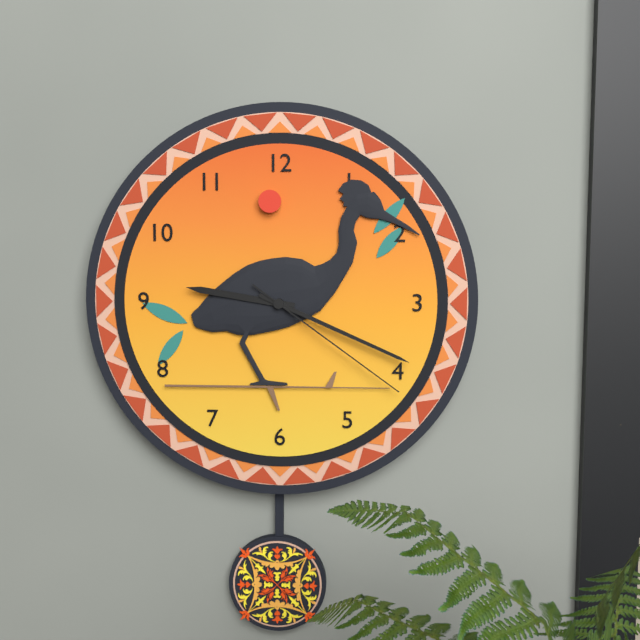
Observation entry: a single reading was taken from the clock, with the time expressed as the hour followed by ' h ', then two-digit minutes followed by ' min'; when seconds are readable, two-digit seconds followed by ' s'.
9 h 19 min 21 s
